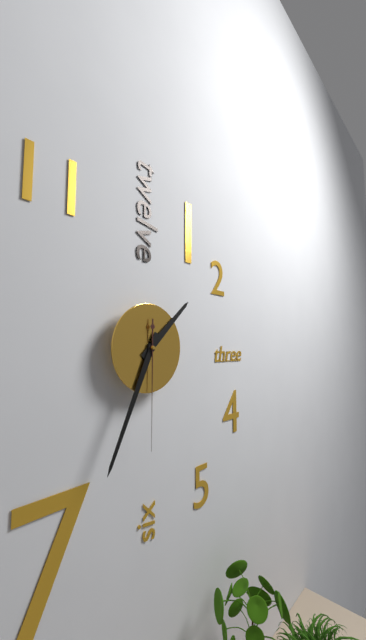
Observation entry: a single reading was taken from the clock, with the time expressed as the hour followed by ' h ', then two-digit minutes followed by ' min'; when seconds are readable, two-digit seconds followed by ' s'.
1 h 34 min 30 s
